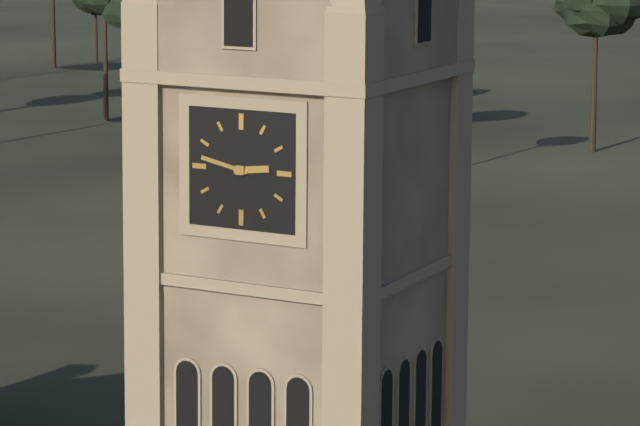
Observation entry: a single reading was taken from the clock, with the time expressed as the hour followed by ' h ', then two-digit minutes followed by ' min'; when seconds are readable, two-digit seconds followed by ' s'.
2 h 47 min
